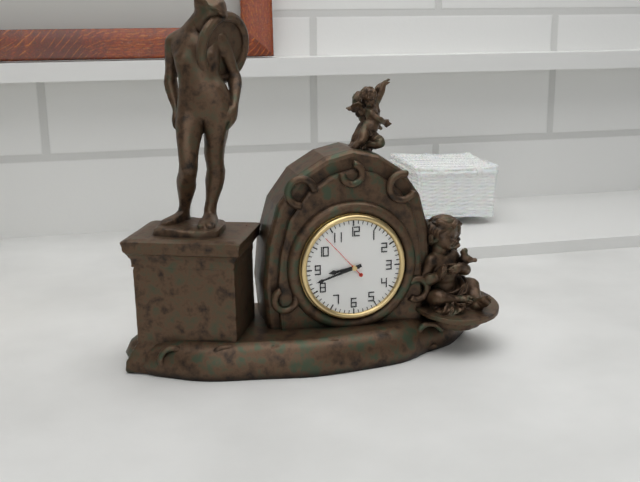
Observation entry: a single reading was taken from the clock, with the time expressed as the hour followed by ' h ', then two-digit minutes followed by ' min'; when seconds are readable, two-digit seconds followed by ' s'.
8 h 42 min 53 s
